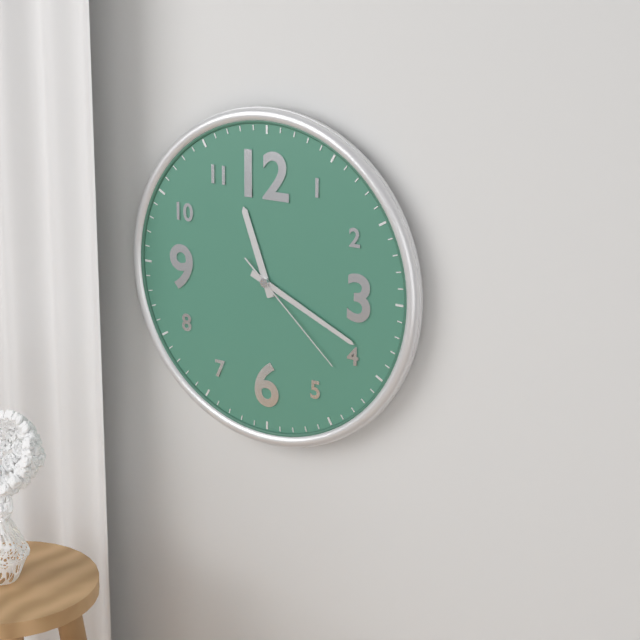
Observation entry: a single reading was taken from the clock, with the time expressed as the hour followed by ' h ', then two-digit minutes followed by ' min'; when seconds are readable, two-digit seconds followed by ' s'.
11 h 19 min 22 s
